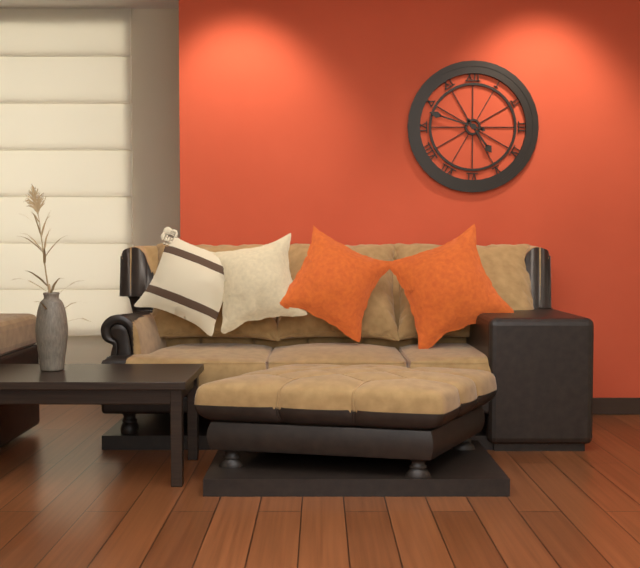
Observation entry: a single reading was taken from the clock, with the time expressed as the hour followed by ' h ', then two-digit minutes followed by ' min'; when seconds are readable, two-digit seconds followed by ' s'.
4 h 48 min
